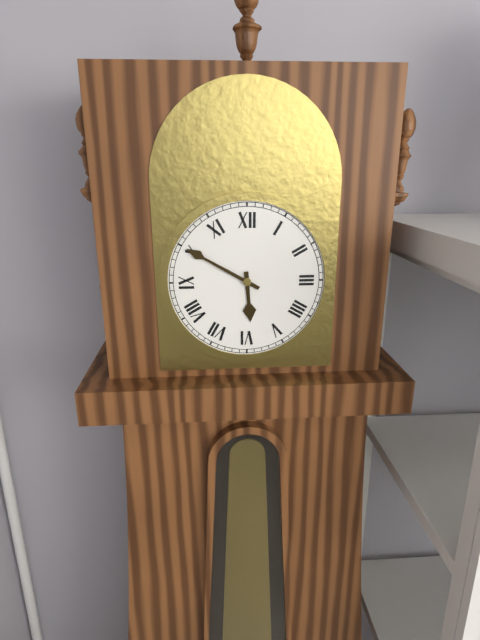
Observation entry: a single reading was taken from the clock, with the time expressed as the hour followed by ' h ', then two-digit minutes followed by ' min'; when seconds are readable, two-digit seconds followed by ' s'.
5 h 50 min
